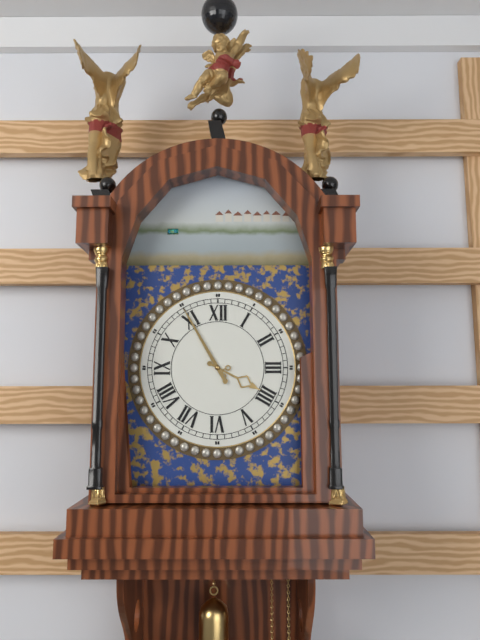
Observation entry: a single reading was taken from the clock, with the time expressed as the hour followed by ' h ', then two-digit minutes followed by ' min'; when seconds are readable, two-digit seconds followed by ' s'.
3 h 55 min
